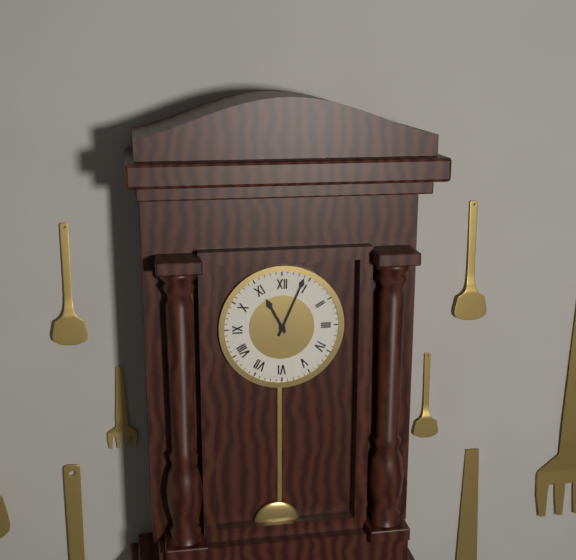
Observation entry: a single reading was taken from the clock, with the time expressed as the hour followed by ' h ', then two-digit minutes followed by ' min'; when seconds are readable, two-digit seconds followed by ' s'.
11 h 04 min
